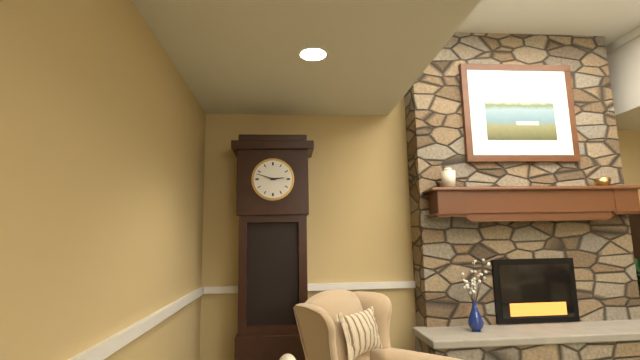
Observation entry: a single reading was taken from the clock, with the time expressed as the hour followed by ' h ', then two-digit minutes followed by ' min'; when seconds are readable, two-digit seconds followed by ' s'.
2 h 48 min
